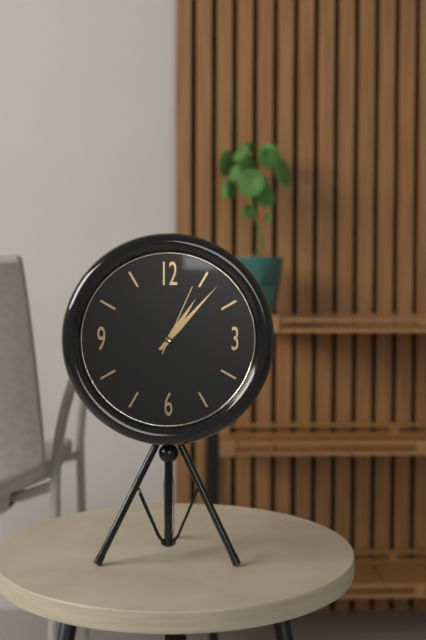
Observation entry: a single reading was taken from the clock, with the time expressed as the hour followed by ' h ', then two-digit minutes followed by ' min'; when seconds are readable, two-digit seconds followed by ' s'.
1 h 07 min 04 s
